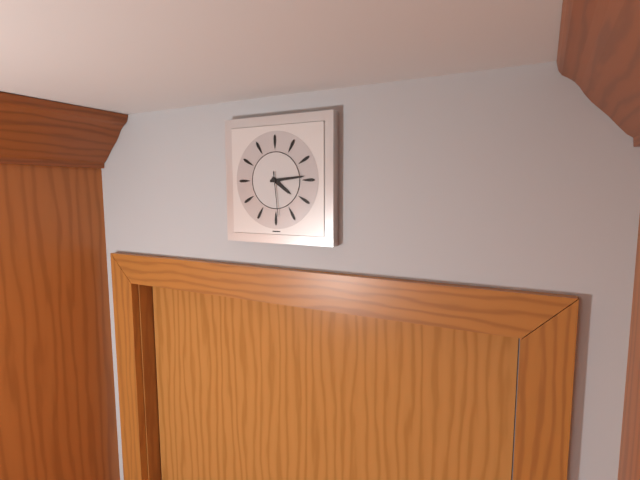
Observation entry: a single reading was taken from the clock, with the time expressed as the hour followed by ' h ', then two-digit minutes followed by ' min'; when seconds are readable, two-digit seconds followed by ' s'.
4 h 14 min
